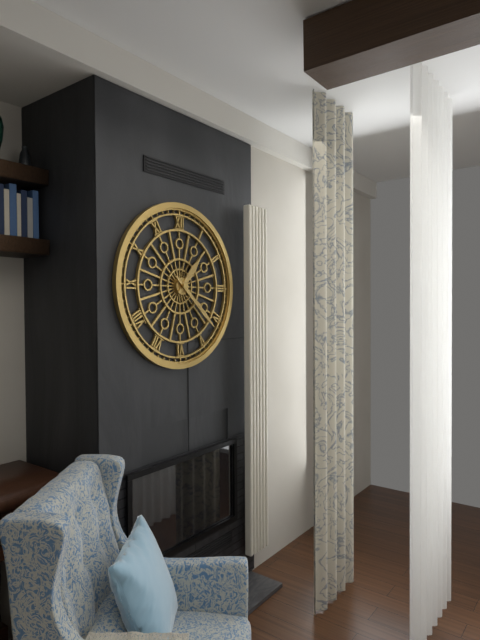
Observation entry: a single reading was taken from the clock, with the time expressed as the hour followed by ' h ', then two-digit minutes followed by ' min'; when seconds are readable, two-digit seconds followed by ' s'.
1 h 22 min
